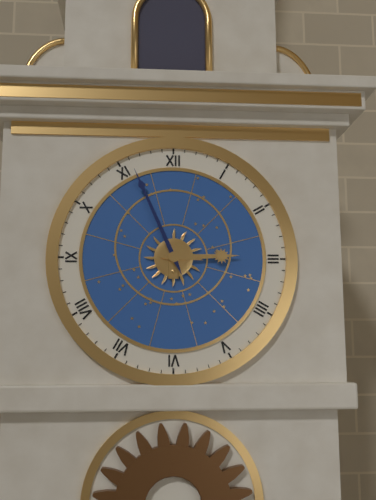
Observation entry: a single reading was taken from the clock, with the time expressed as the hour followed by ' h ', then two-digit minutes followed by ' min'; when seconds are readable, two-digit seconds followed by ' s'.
2 h 56 min
